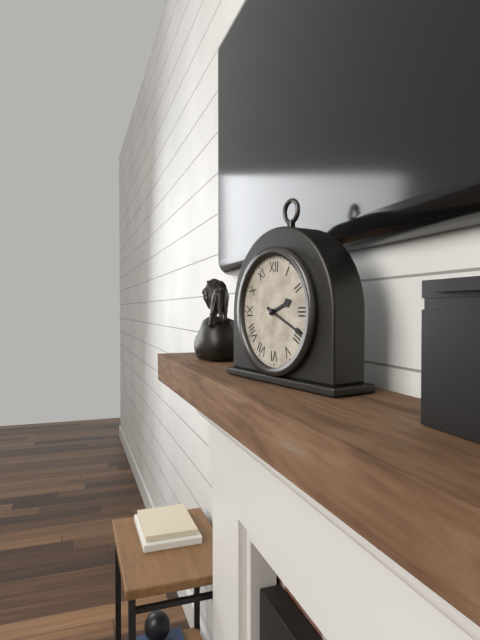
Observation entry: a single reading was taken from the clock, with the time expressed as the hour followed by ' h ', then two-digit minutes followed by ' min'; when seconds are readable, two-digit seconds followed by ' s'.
2 h 19 min
